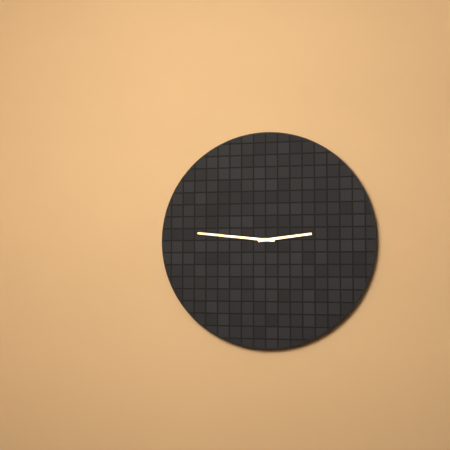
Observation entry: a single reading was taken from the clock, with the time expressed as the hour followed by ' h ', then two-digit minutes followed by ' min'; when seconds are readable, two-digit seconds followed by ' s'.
2 h 46 min
